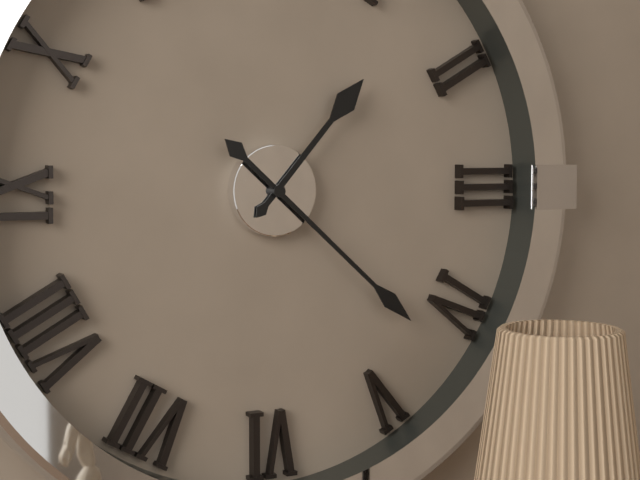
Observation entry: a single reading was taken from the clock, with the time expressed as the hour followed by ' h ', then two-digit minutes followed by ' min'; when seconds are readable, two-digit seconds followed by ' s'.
1 h 22 min
